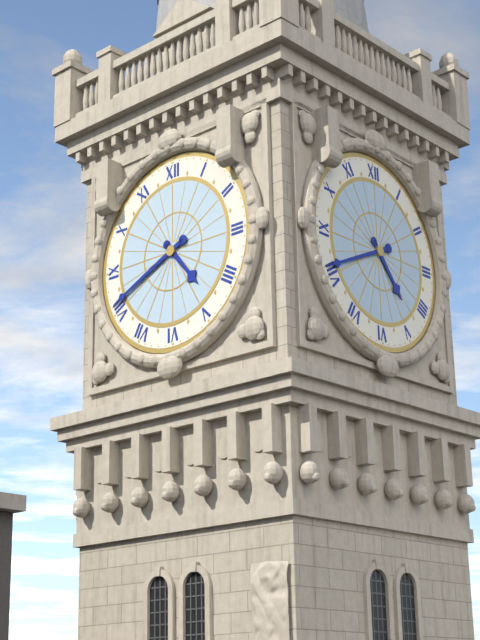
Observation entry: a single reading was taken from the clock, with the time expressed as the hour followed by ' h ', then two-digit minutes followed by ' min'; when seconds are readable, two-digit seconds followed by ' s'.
4 h 41 min
